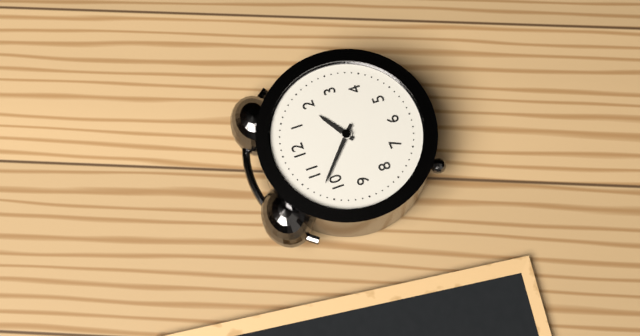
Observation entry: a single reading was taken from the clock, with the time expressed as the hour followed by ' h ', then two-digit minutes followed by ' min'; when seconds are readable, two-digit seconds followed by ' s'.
1 h 52 min
